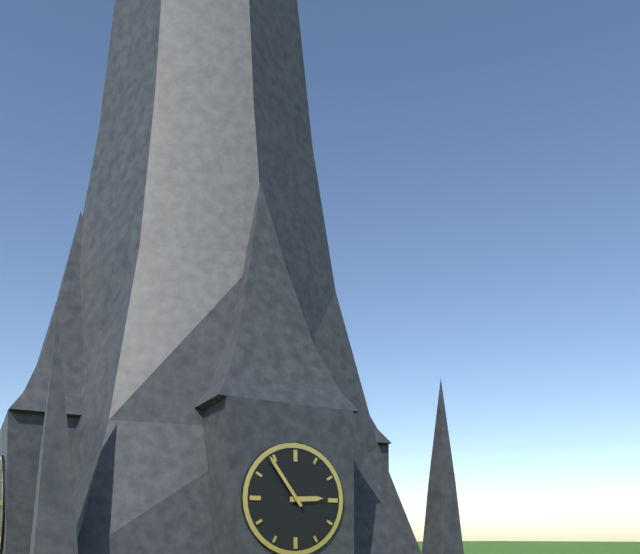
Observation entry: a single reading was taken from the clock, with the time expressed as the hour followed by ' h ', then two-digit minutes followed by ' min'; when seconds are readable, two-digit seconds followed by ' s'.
2 h 54 min
